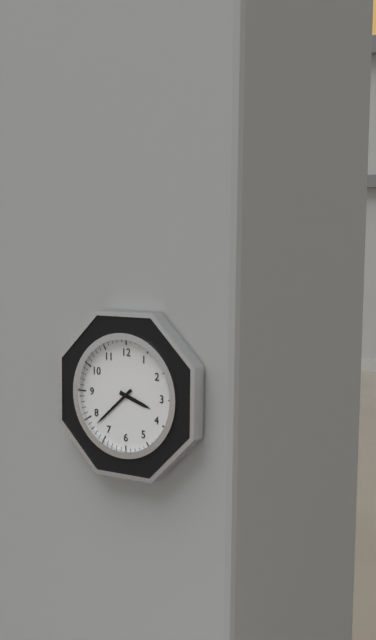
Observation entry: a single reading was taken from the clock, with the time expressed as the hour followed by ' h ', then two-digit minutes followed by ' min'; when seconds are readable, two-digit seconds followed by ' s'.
3 h 38 min
